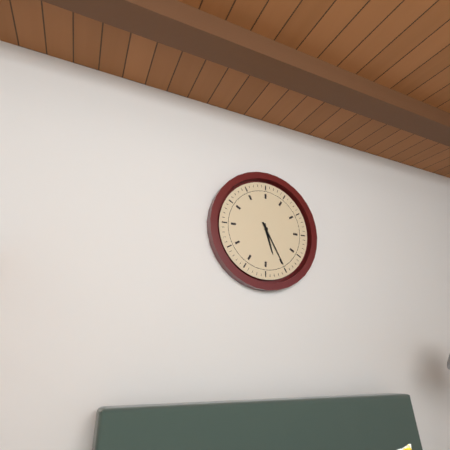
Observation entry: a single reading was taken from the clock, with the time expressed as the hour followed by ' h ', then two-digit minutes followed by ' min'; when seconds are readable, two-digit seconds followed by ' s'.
5 h 25 min
